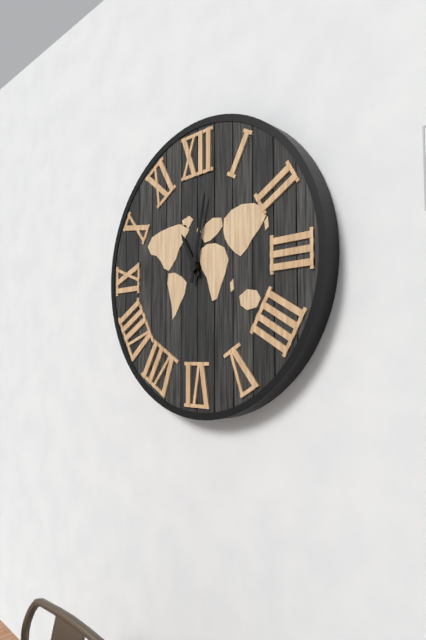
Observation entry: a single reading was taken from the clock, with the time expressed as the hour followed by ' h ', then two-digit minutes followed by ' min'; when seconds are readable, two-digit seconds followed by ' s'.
11 h 02 min
